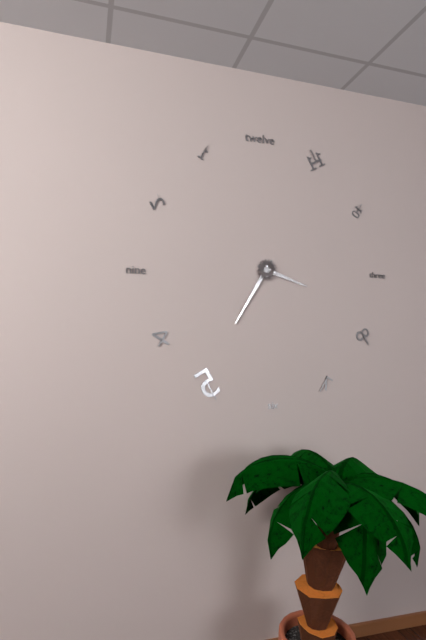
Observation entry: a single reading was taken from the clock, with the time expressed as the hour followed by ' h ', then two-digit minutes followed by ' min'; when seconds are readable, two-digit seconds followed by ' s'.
3 h 35 min
